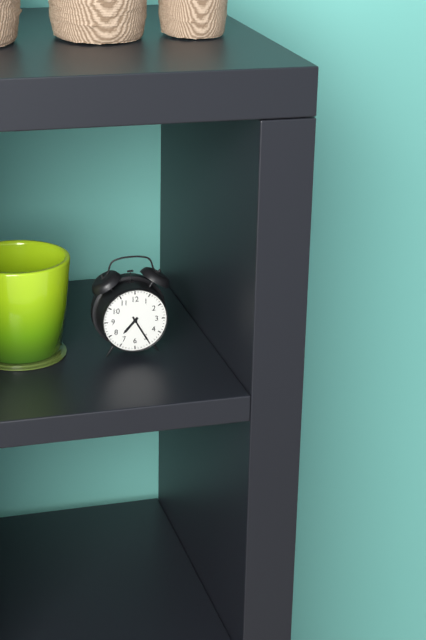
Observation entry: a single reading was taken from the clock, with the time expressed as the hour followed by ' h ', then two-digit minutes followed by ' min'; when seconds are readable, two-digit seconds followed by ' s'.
7 h 25 min
